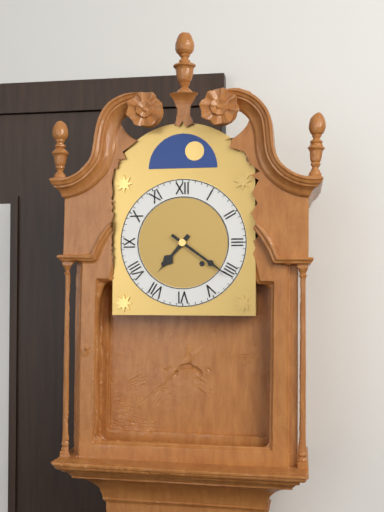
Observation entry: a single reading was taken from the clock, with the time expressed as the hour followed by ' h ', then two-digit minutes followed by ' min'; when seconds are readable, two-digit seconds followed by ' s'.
7 h 21 min
